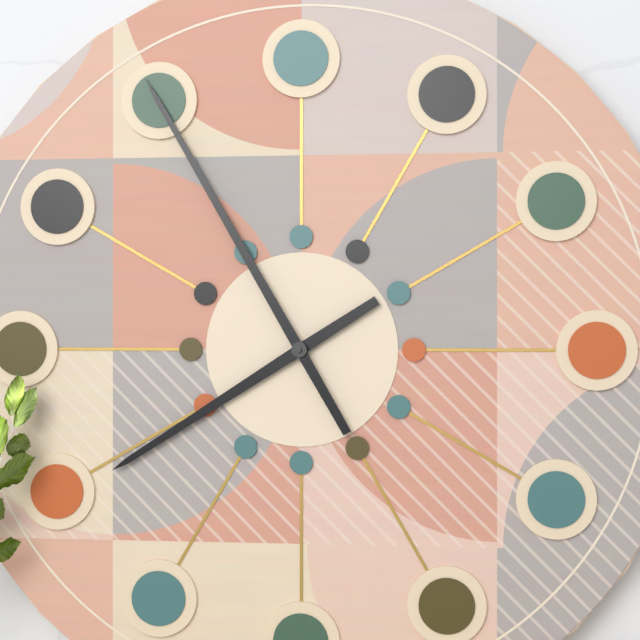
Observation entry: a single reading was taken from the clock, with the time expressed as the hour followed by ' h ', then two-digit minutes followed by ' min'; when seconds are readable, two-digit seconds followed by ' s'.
7 h 55 min
